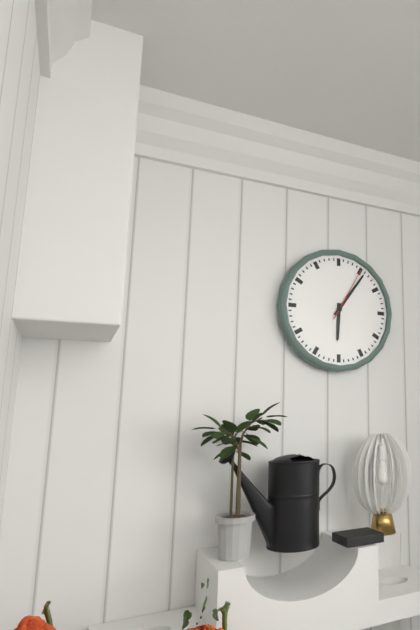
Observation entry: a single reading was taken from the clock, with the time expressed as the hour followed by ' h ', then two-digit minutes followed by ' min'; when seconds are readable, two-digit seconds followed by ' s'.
6 h 06 min 05 s
